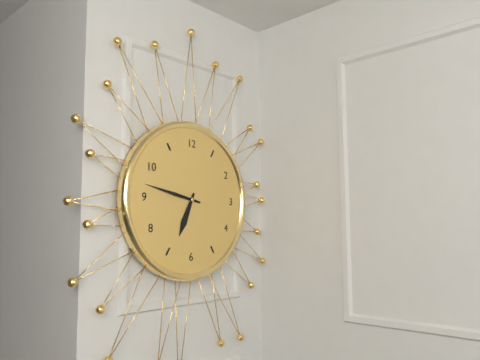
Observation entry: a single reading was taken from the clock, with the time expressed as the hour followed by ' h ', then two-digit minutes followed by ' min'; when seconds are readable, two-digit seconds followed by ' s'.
6 h 47 min
